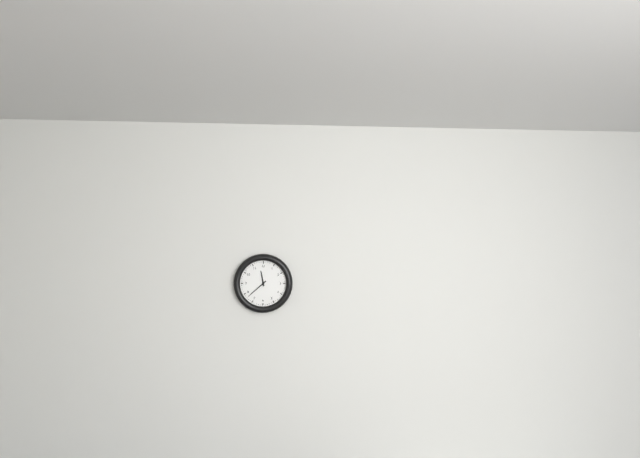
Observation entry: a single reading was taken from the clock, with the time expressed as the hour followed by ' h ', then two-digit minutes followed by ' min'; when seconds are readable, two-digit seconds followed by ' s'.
11 h 38 min
